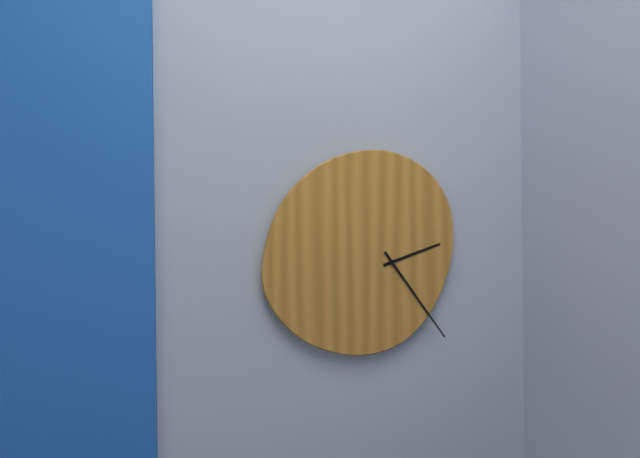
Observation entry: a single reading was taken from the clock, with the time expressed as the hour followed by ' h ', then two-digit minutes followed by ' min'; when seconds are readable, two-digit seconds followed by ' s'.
2 h 24 min
